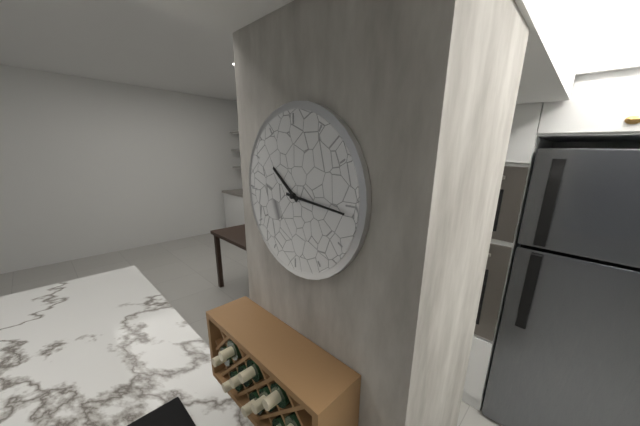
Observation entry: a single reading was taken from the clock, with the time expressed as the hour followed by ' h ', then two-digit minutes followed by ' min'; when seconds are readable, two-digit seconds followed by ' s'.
10 h 16 min
